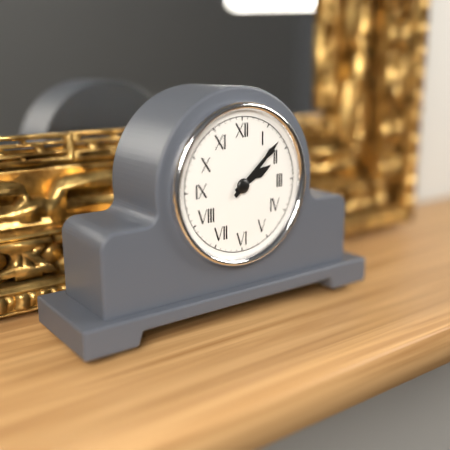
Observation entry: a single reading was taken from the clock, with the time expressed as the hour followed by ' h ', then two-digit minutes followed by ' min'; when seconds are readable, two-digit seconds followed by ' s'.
2 h 08 min
